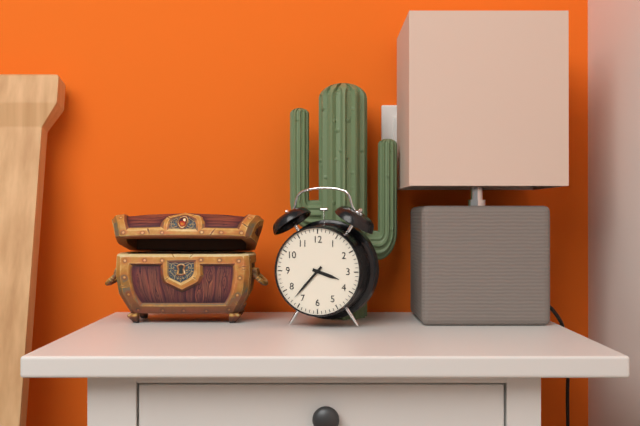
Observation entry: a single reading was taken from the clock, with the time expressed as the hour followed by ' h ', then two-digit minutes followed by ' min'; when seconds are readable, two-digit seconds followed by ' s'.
3 h 37 min
